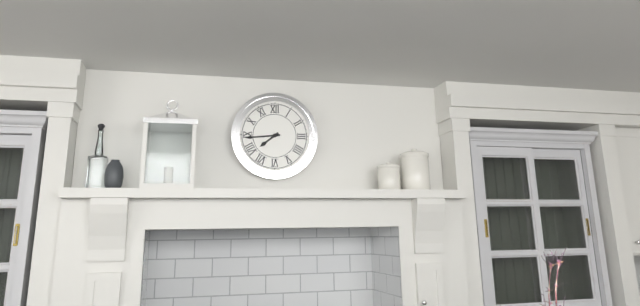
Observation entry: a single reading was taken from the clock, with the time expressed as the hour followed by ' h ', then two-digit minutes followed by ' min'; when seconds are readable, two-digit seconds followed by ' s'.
7 h 44 min
